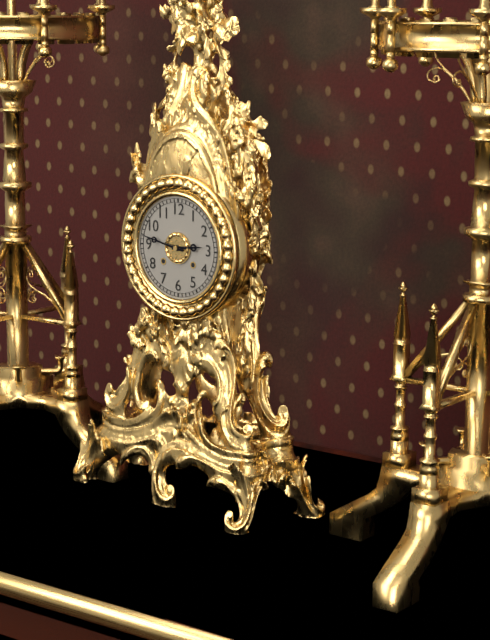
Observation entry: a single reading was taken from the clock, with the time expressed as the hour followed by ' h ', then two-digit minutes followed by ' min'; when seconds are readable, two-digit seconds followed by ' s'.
2 h 47 min
